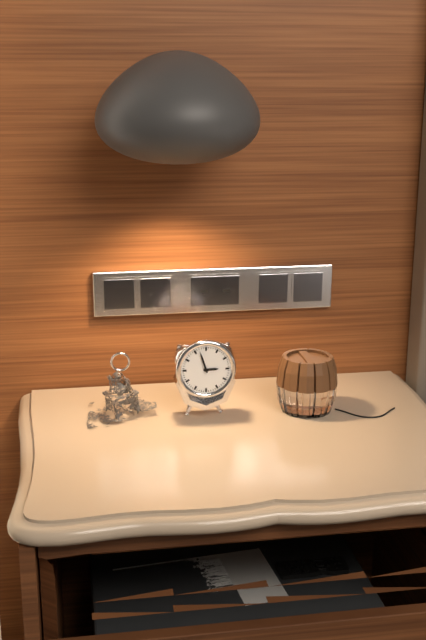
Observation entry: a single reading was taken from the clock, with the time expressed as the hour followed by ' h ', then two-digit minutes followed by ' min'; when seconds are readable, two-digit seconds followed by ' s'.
2 h 57 min
